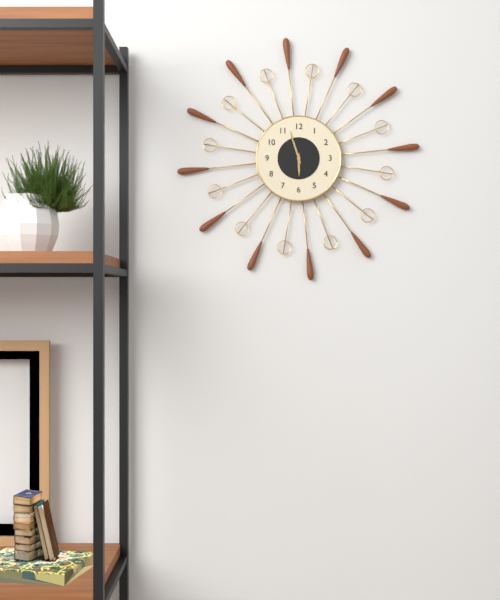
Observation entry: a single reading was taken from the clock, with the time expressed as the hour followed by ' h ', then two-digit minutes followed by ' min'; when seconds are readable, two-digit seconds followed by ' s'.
5 h 57 min
